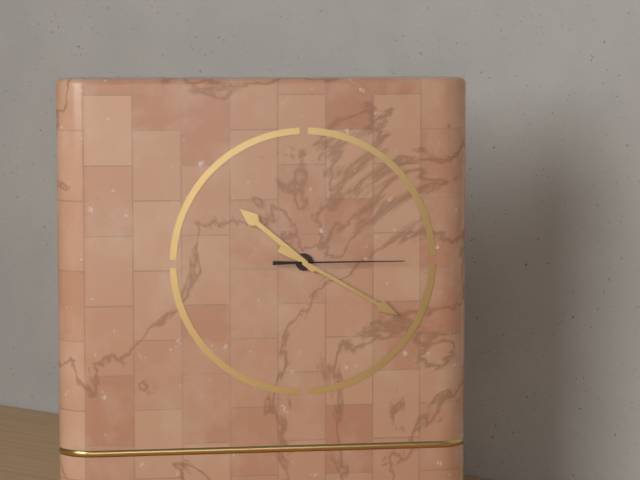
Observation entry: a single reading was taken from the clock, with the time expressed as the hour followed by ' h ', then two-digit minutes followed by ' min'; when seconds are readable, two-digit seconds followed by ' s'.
10 h 20 min 15 s
